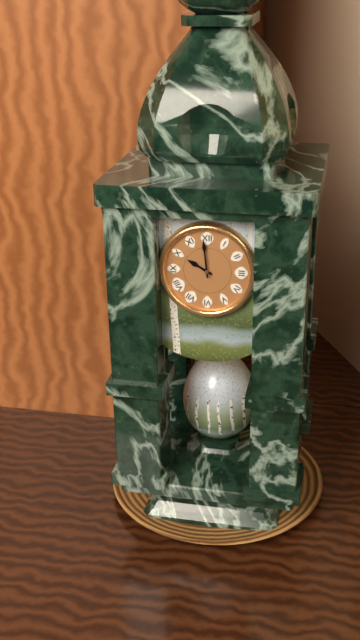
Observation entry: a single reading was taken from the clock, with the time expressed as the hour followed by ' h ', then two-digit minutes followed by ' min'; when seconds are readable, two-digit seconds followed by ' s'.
9 h 59 min
